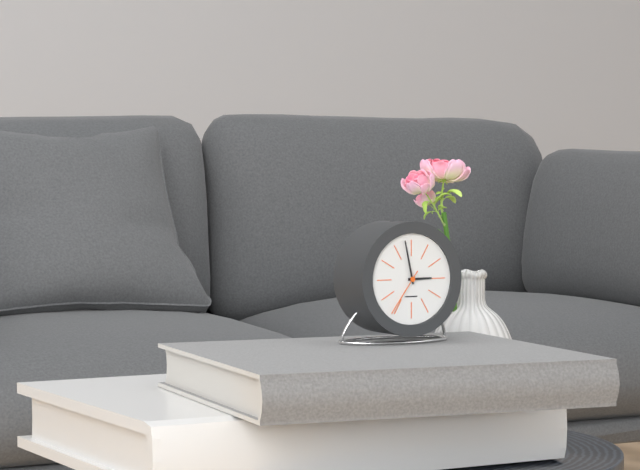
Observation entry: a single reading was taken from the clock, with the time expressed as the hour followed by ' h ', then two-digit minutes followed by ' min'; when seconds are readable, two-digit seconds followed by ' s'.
2 h 58 min 36 s
